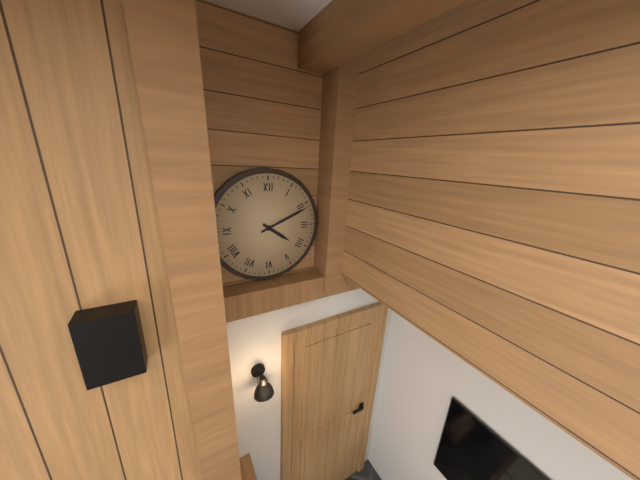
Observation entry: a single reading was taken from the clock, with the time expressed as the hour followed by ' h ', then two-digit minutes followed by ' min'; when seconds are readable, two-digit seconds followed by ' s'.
4 h 11 min
